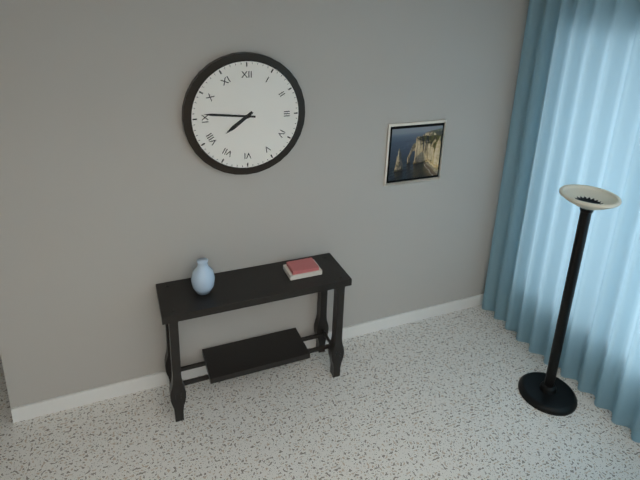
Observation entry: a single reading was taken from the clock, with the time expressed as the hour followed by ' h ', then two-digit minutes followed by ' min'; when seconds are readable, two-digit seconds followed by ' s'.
7 h 46 min
